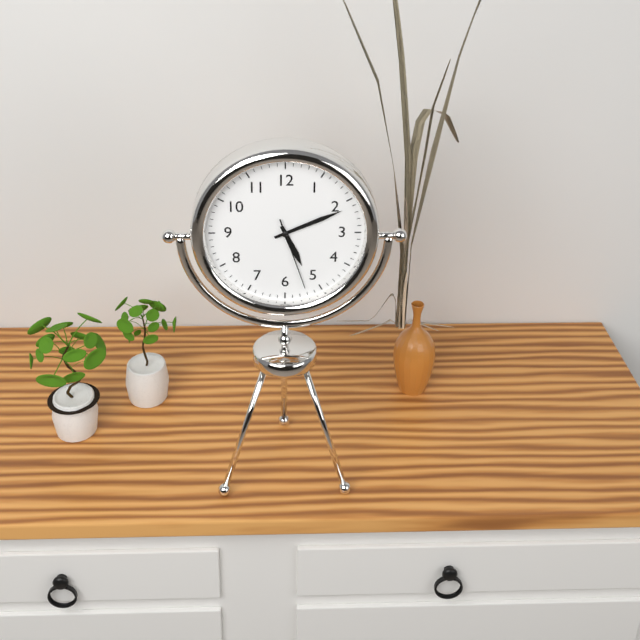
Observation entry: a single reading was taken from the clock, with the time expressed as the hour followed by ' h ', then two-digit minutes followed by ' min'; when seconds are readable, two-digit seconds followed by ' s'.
5 h 11 min 27 s
